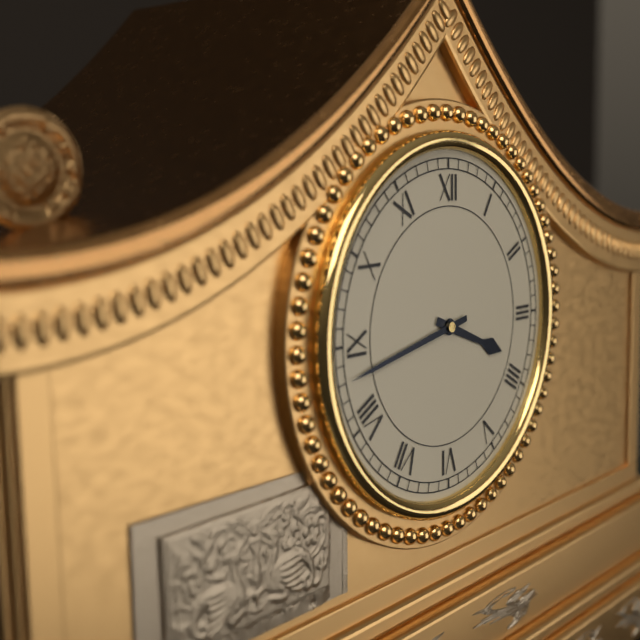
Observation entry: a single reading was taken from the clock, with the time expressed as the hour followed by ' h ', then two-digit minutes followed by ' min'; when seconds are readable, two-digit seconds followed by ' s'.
3 h 43 min
